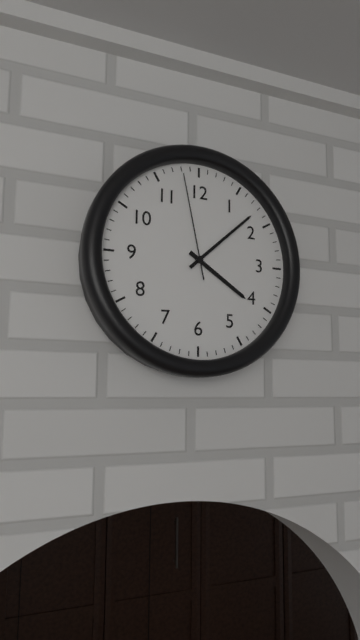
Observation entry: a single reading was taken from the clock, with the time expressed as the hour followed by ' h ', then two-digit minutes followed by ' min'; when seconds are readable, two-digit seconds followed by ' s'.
4 h 08 min 58 s
